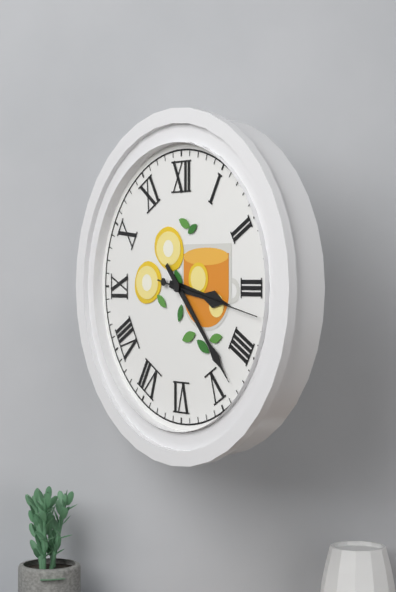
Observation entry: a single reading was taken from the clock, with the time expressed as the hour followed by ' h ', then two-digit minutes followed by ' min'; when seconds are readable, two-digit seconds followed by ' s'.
3 h 23 min 17 s
